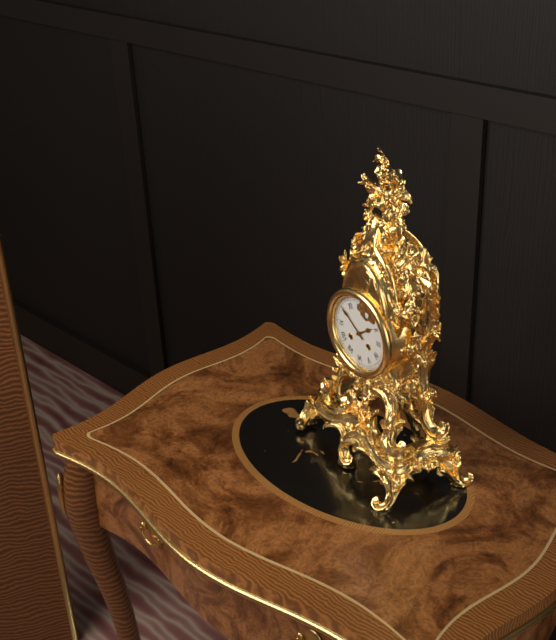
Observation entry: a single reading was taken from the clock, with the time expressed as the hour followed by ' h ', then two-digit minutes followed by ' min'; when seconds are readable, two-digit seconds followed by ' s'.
1 h 51 min
